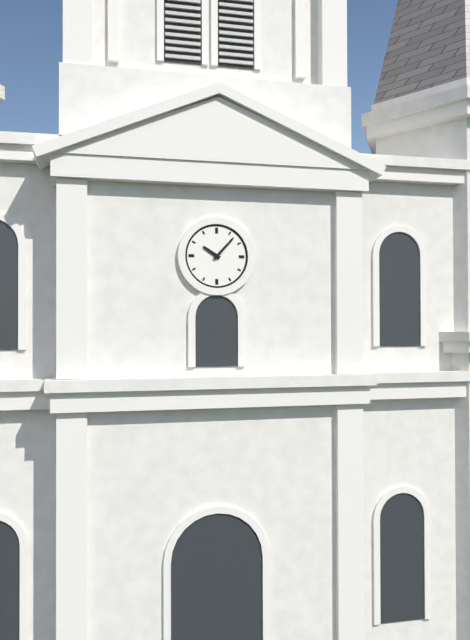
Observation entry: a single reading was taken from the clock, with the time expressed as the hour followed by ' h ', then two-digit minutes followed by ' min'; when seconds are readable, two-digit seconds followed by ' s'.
10 h 07 min
